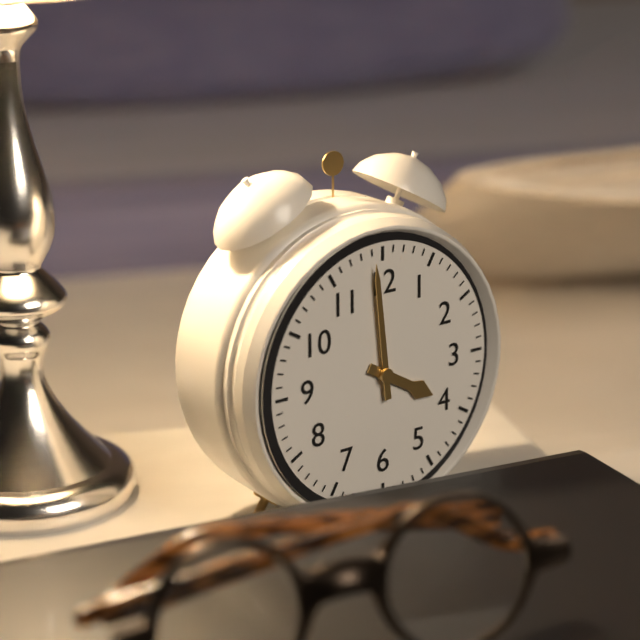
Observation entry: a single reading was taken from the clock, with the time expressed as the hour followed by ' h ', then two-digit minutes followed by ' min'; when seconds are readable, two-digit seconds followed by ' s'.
3 h 59 min
